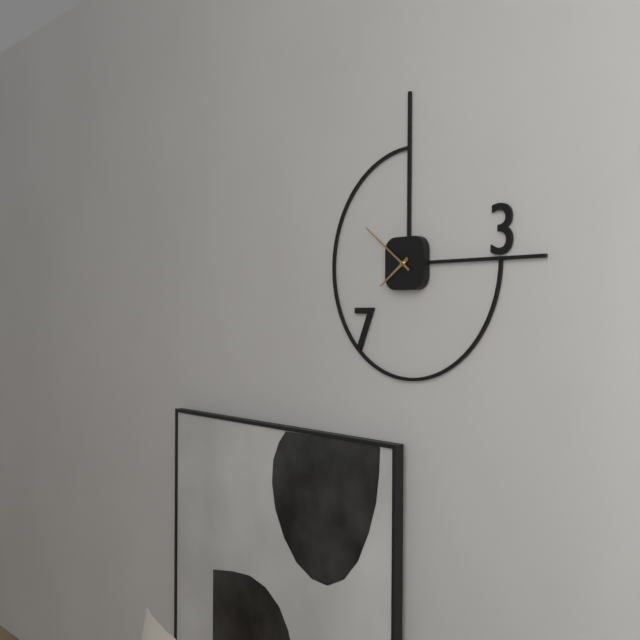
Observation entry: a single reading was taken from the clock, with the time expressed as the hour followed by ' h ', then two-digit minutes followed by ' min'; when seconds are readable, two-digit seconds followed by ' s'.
7 h 51 min
